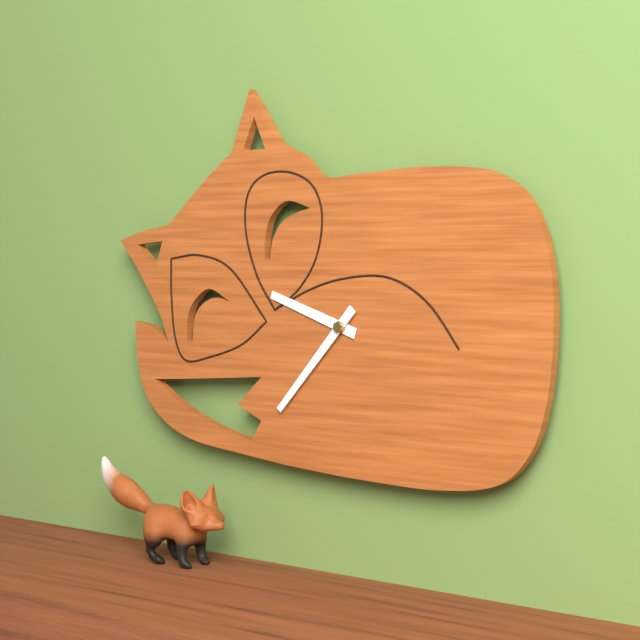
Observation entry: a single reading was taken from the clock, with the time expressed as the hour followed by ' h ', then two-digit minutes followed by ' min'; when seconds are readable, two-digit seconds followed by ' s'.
9 h 37 min
